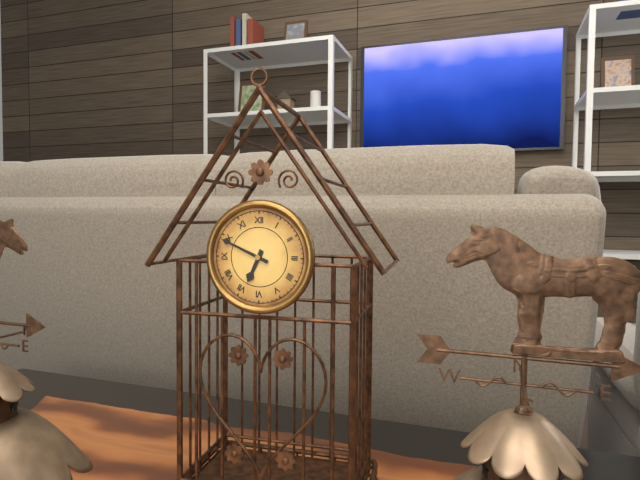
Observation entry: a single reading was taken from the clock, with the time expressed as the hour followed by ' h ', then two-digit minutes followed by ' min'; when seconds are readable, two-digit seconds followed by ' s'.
6 h 49 min
